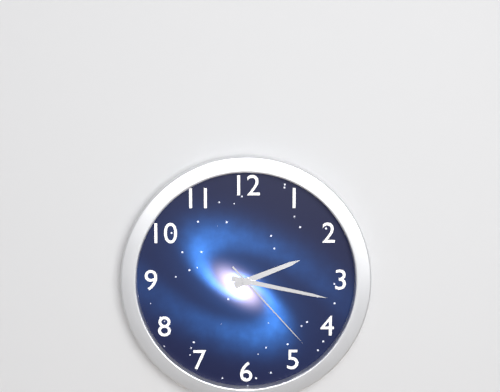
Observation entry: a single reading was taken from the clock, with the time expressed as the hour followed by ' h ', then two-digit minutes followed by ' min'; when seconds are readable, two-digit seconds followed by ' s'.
2 h 17 min 23 s
